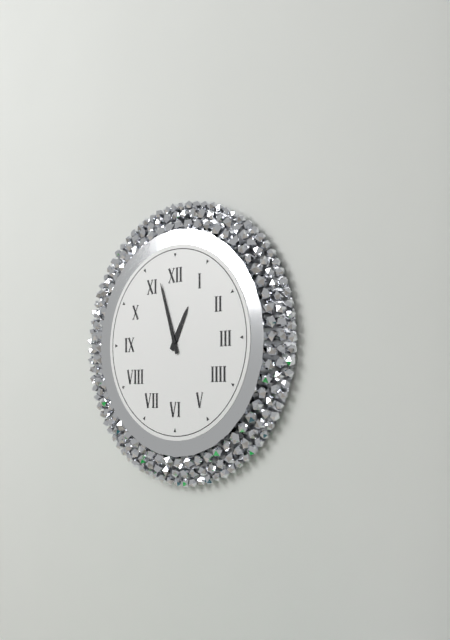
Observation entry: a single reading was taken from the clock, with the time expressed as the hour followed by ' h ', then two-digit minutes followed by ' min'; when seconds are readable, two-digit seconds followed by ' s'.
12 h 57 min
